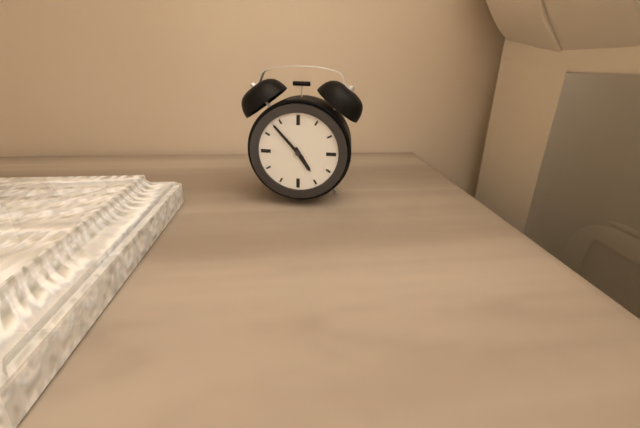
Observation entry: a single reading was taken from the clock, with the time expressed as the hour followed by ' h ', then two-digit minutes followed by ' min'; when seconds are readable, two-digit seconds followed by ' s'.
4 h 53 min
